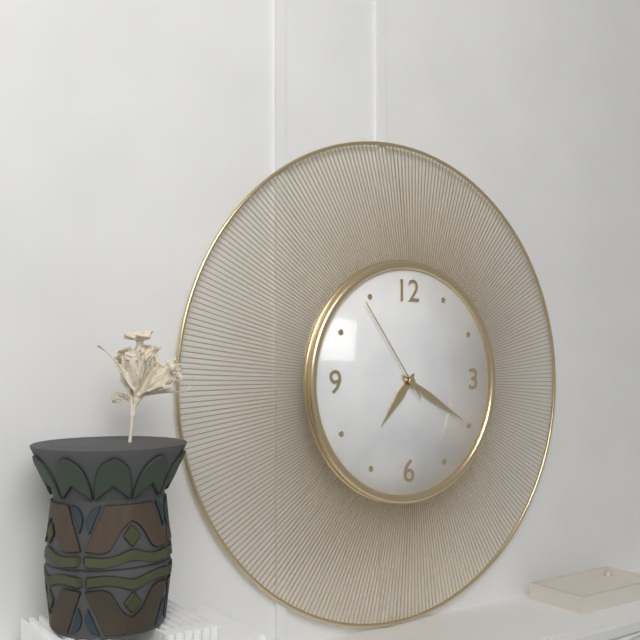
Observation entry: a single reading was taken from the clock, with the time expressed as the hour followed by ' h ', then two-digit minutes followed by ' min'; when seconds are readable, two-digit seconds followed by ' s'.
7 h 20 min 54 s
